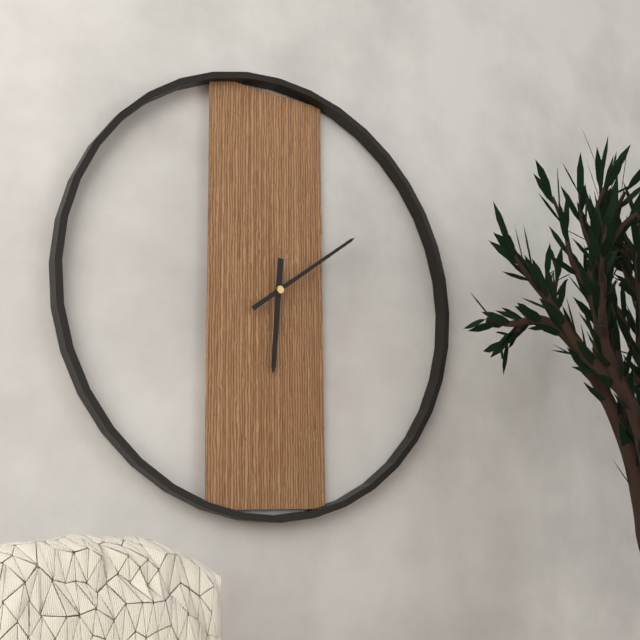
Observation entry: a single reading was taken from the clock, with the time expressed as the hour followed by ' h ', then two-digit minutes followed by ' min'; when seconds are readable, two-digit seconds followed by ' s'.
6 h 09 min
